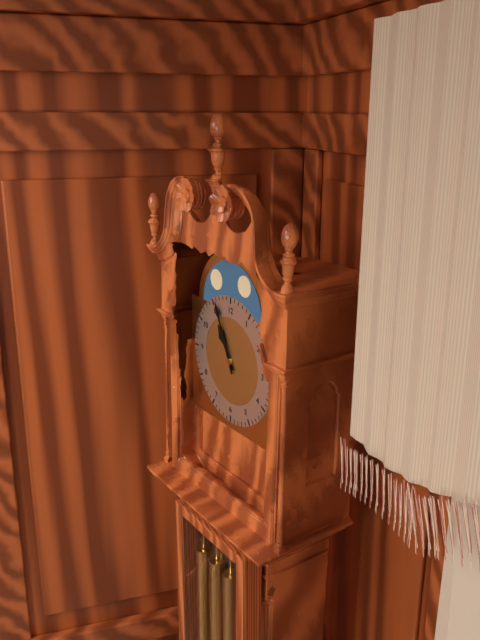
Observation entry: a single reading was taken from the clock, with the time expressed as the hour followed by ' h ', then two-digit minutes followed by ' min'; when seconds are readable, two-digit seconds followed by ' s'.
10 h 56 min
